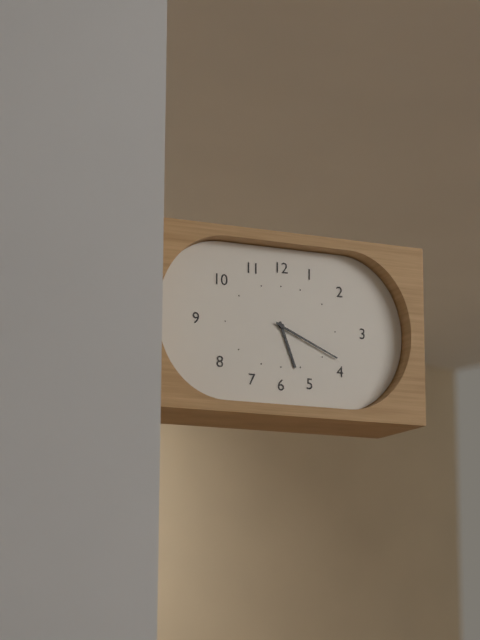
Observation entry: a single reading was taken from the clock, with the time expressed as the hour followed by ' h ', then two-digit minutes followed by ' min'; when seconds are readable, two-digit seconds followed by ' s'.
5 h 19 min
